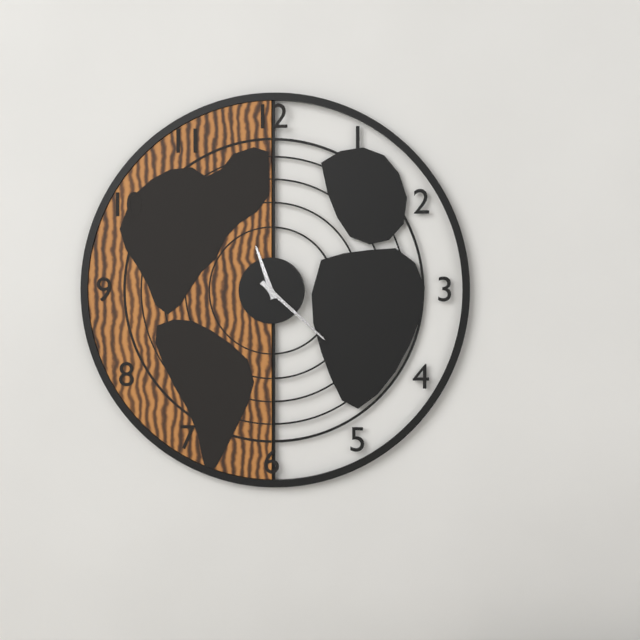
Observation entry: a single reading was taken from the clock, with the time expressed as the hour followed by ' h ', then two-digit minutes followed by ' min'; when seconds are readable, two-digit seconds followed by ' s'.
11 h 22 min
